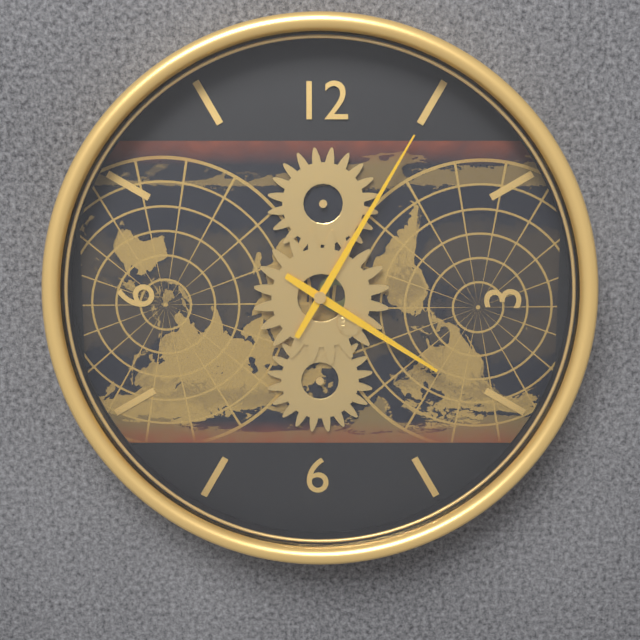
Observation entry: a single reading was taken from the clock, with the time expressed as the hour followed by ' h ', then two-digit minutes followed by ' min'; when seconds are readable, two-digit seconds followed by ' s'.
4 h 05 min
